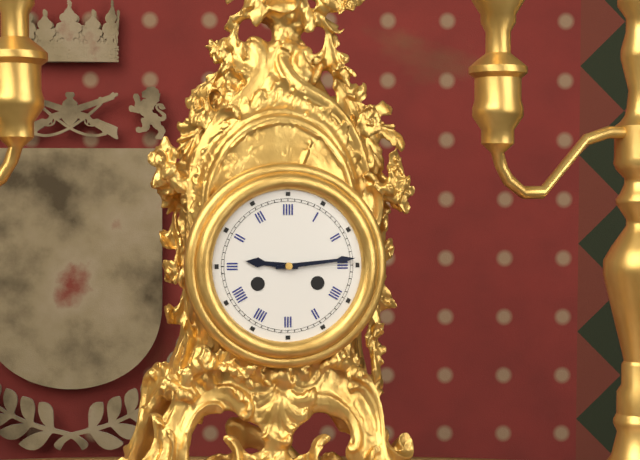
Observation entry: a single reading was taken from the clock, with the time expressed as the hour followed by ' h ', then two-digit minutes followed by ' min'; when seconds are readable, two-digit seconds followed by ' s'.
9 h 14 min
